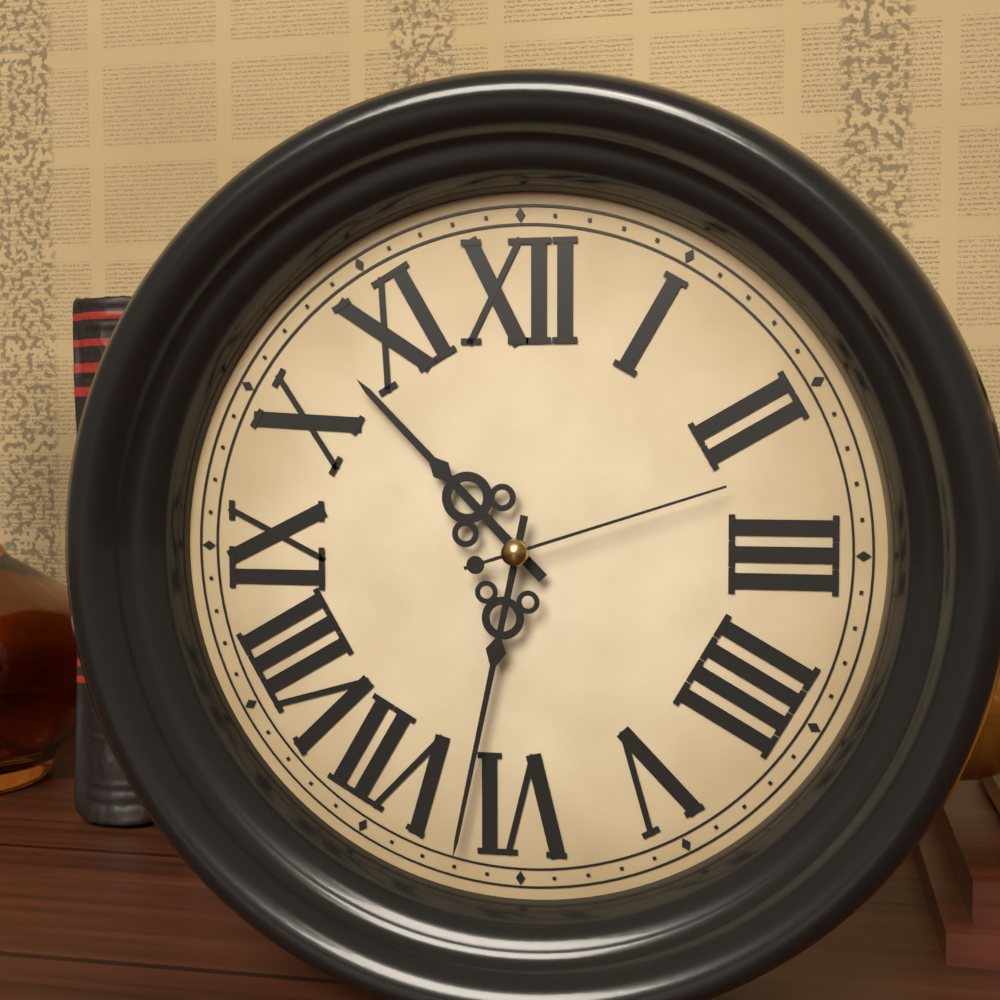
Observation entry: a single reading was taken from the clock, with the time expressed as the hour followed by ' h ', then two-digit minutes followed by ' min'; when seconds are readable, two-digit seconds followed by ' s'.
10 h 32 min 12 s
